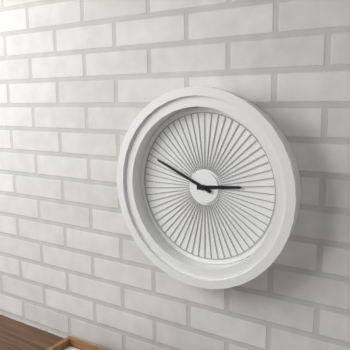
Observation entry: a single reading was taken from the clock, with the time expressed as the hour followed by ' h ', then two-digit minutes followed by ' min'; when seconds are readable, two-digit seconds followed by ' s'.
2 h 49 min
